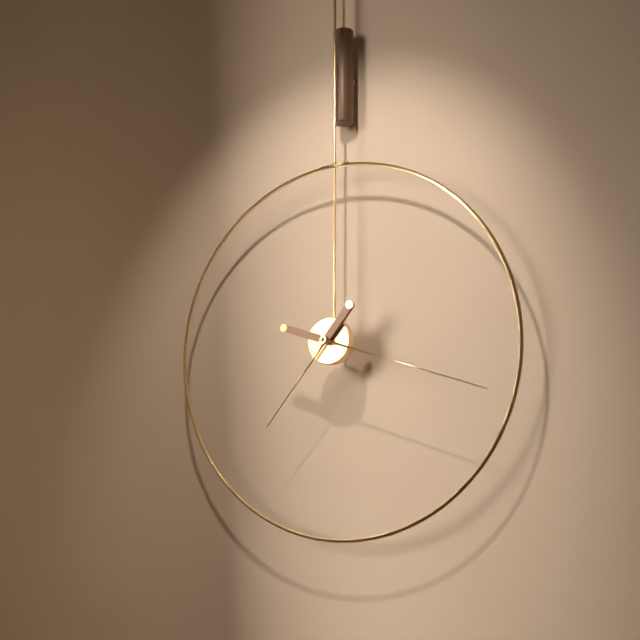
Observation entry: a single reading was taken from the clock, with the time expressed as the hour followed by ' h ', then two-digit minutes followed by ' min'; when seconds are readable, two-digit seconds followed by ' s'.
7 h 18 min
